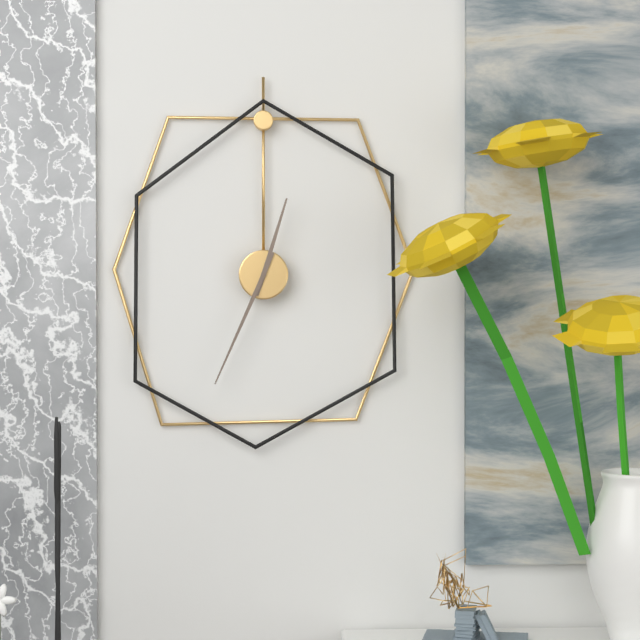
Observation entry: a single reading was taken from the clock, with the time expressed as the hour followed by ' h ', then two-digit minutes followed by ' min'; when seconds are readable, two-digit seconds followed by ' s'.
12 h 34 min
